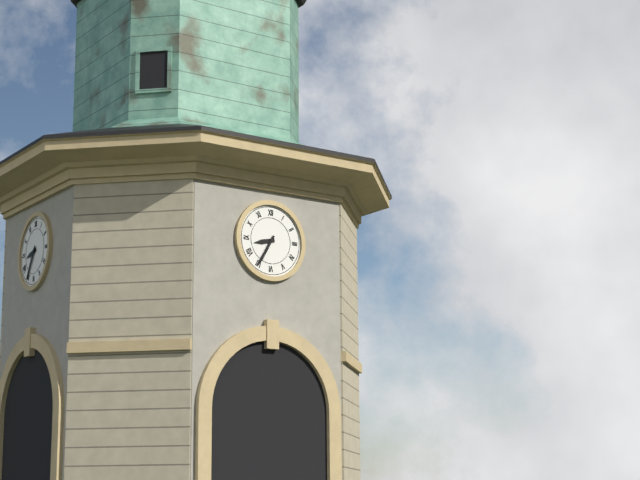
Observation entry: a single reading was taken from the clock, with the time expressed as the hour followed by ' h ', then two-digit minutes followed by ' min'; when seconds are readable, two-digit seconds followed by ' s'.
8 h 35 min
